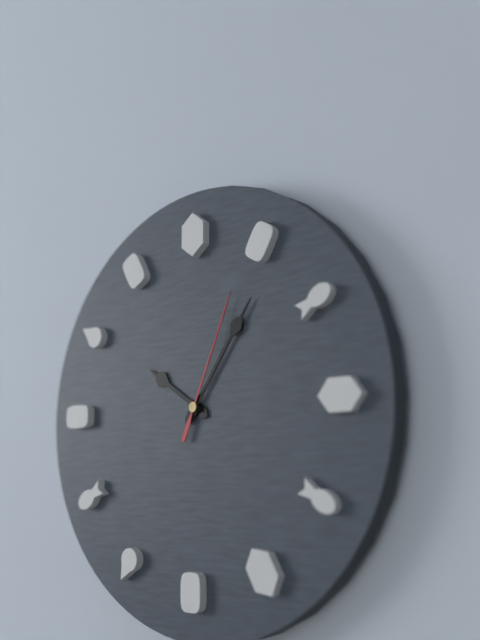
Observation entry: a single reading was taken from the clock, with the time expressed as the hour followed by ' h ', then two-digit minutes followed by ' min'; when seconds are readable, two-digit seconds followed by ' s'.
10 h 06 min 04 s
